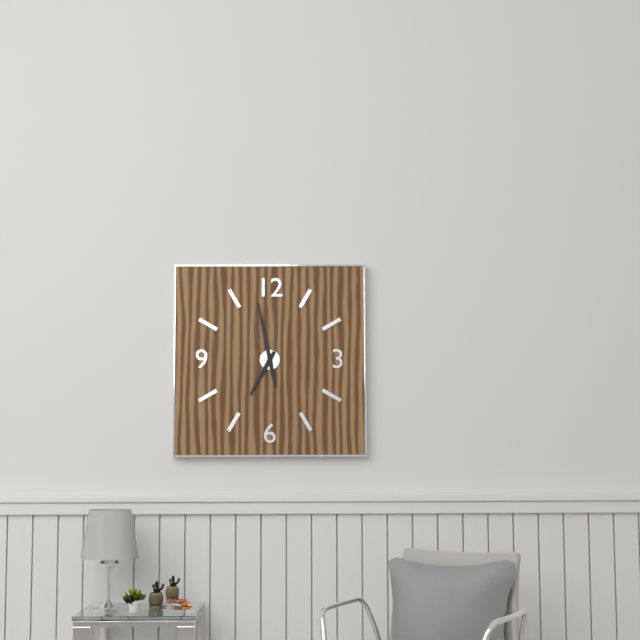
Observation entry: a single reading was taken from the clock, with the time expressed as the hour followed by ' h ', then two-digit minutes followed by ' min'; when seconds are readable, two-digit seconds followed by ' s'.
6 h 58 min
